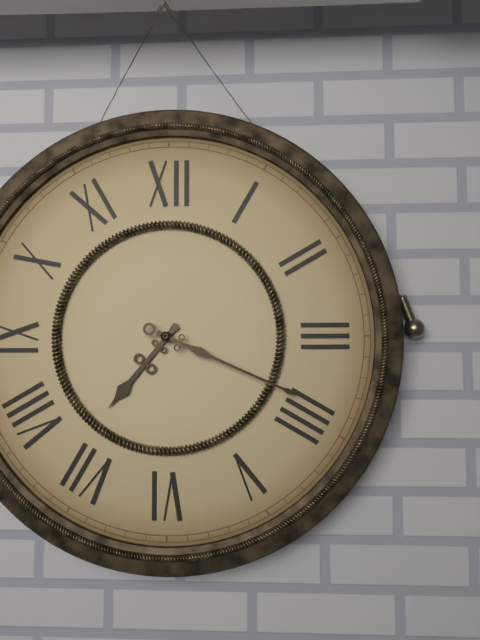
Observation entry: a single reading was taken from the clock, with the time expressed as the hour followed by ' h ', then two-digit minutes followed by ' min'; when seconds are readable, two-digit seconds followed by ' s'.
7 h 19 min
